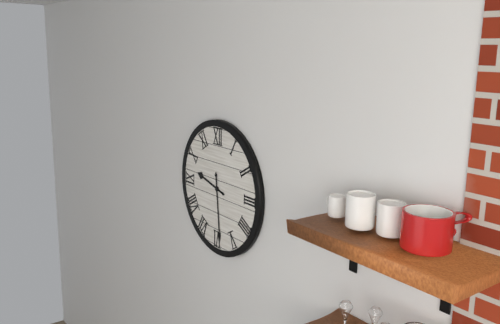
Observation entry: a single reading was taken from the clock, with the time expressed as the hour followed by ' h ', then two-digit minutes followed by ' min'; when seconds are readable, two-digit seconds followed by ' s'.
9 h 29 min
